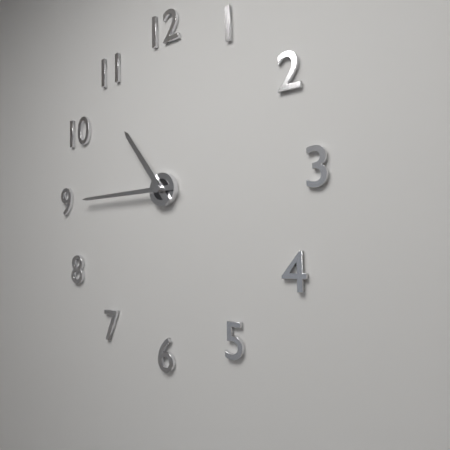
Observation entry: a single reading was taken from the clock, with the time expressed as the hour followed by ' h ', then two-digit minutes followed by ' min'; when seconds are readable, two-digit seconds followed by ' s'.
10 h 45 min
